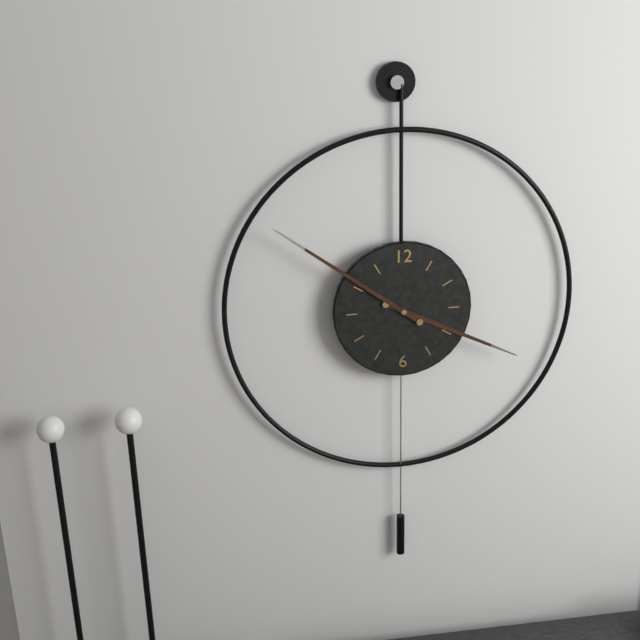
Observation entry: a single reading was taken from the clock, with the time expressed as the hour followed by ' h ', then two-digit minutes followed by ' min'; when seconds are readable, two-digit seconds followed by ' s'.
3 h 51 min
